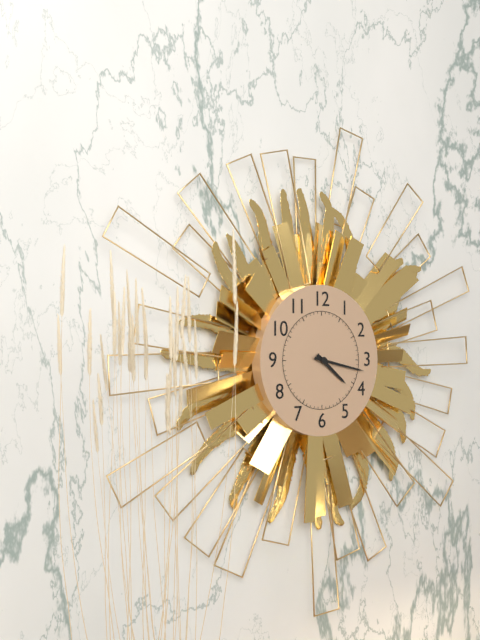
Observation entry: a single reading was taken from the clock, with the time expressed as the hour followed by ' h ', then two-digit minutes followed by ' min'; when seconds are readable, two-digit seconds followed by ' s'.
4 h 17 min
